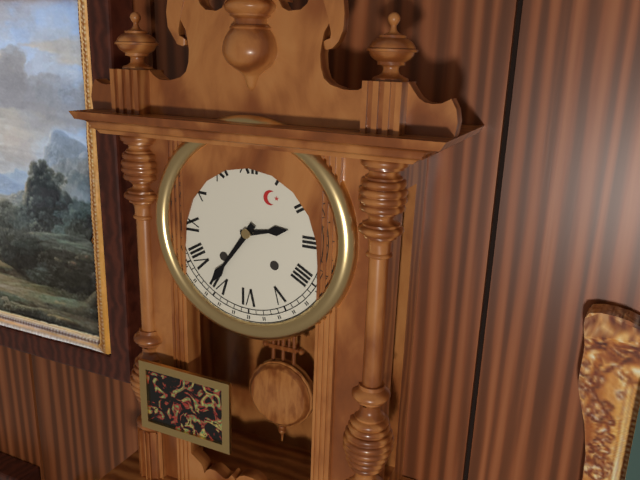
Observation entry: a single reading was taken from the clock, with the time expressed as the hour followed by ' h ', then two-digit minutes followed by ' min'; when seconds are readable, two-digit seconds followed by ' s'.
2 h 36 min
